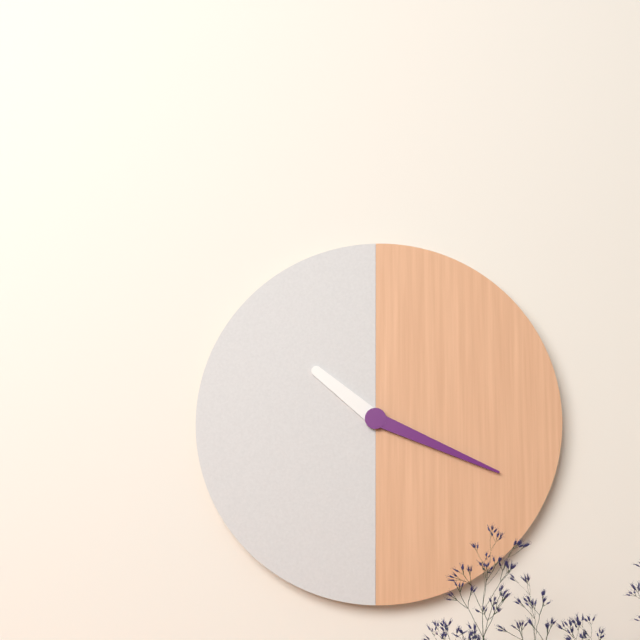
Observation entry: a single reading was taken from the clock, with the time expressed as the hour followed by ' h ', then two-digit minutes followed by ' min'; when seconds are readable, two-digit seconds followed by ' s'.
10 h 19 min
